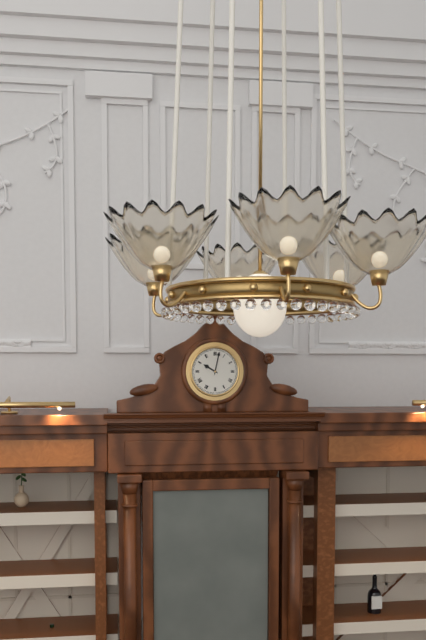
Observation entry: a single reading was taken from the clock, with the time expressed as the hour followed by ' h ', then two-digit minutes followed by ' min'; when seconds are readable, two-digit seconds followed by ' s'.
10 h 02 min
